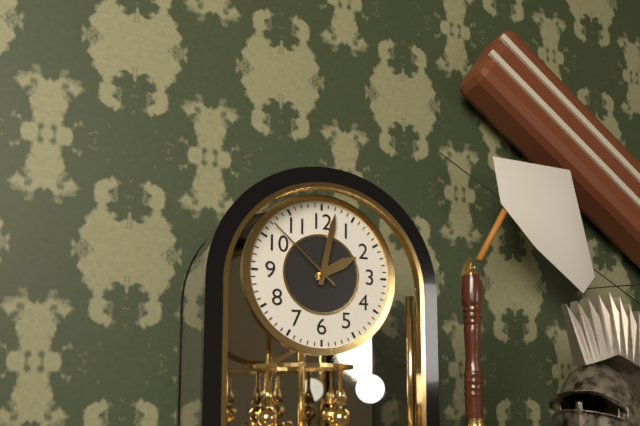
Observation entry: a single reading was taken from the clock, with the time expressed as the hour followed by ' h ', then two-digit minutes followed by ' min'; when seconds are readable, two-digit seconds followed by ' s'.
2 h 02 min 52 s
